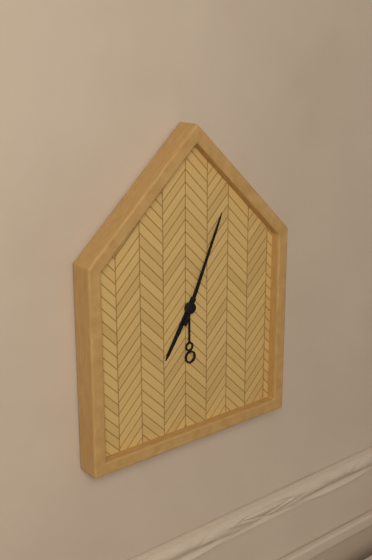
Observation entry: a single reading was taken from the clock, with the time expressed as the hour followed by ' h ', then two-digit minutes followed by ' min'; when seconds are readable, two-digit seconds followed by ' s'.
7 h 04 min
